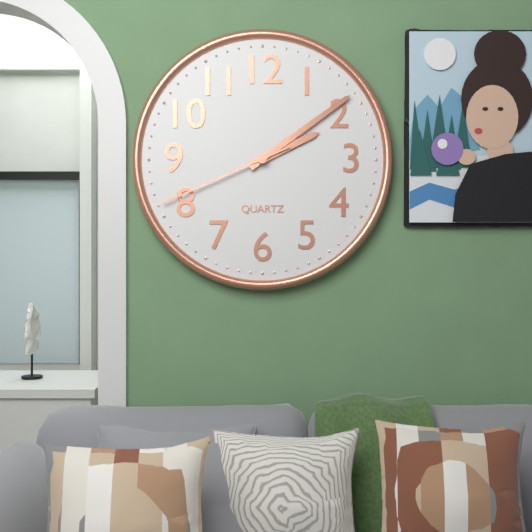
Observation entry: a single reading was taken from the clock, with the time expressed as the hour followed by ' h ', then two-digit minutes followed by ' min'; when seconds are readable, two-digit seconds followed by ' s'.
2 h 09 min 41 s
